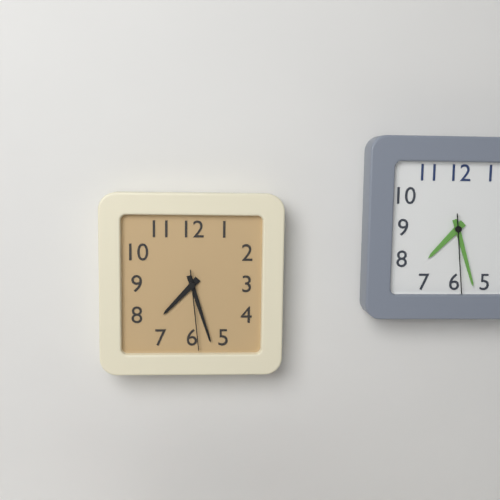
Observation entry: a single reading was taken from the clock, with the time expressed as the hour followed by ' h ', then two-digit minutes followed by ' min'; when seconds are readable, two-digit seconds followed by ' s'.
7 h 27 min 29 s
